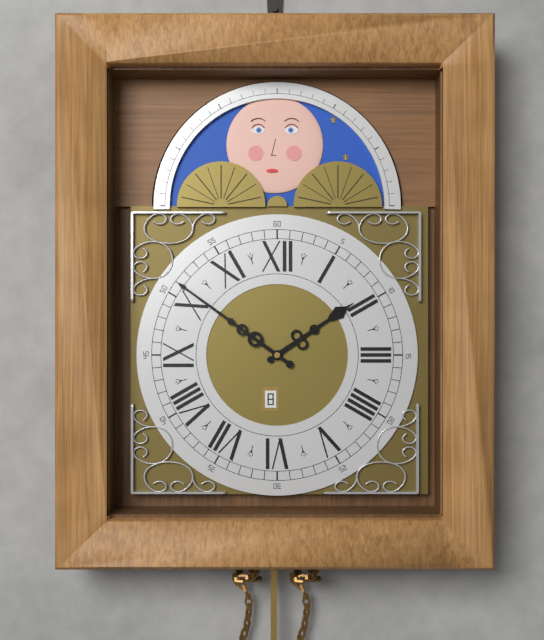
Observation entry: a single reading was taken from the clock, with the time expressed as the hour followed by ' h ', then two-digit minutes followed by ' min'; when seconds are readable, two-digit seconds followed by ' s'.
1 h 51 min
